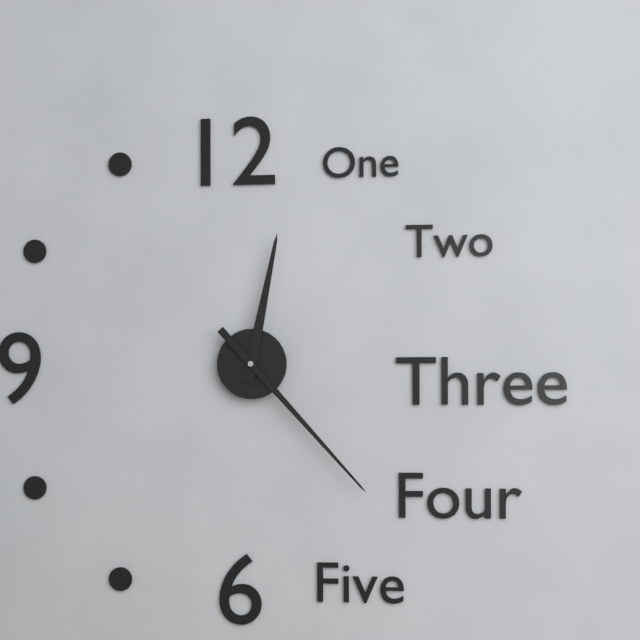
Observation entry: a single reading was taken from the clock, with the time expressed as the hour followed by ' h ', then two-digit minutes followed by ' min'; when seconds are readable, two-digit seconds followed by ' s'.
12 h 23 min
